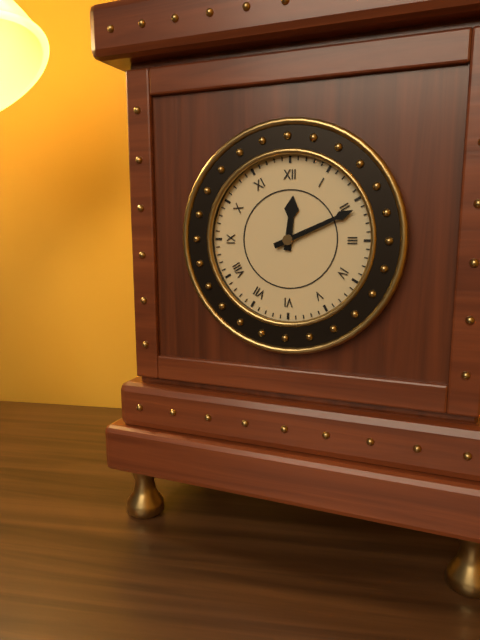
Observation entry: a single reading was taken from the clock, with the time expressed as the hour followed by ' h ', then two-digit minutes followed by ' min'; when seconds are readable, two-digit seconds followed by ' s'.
12 h 11 min
